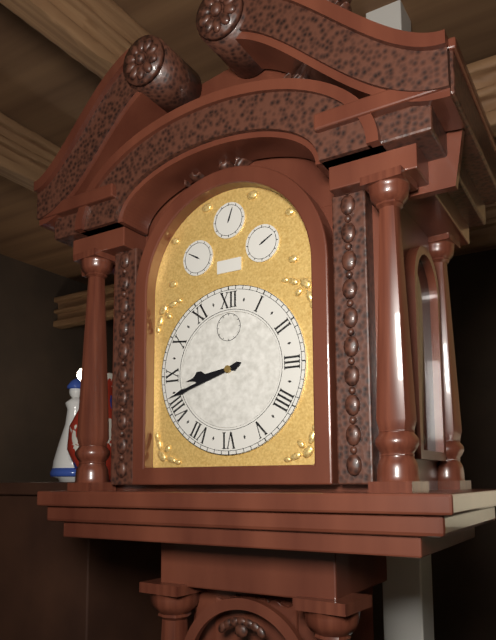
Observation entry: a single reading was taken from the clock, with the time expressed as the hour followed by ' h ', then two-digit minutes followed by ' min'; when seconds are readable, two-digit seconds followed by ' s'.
8 h 42 min
